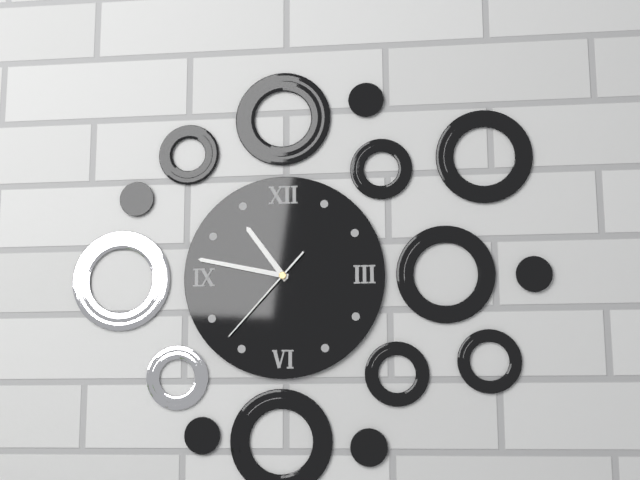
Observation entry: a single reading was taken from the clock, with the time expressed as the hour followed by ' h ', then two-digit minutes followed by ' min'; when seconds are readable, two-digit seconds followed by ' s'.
10 h 47 min 37 s
